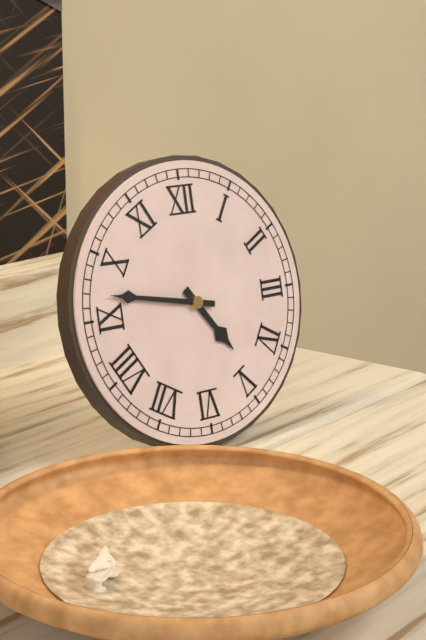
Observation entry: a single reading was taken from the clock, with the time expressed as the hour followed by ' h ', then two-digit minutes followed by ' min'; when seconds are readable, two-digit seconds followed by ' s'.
4 h 47 min
